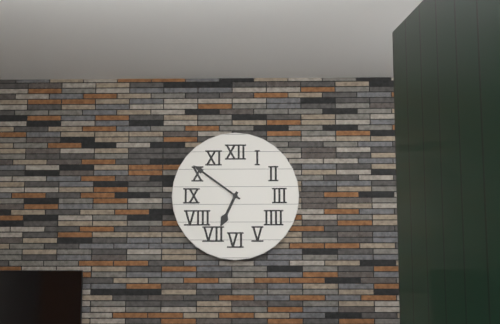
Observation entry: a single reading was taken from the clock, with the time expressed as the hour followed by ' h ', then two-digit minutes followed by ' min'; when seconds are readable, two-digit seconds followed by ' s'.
6 h 51 min
